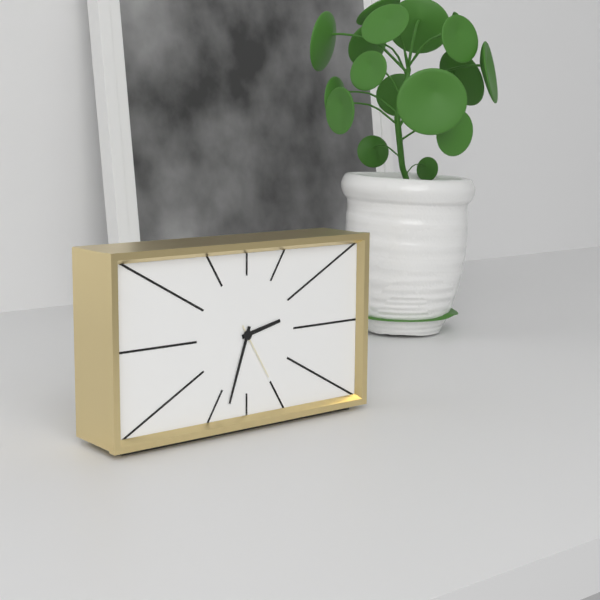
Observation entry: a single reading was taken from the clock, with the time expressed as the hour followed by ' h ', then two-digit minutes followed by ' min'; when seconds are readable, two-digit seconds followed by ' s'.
2 h 33 min 25 s
